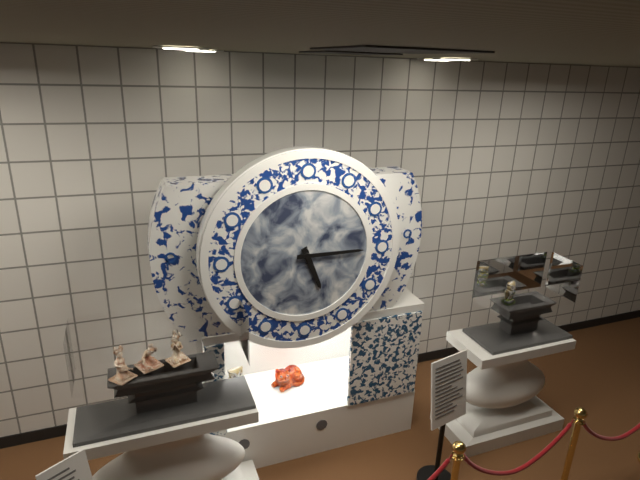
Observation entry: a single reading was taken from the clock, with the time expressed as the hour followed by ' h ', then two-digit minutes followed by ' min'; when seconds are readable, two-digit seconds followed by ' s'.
5 h 15 min
